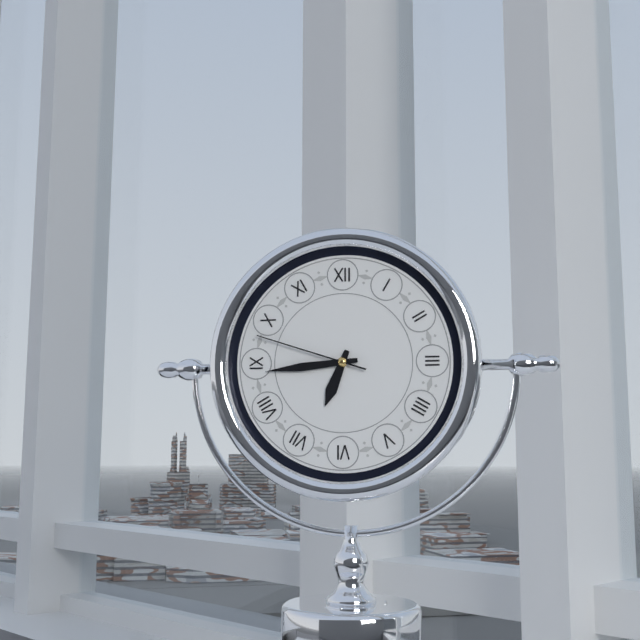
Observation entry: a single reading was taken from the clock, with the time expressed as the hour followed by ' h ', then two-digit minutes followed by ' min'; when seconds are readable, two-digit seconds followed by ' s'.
6 h 44 min 48 s
